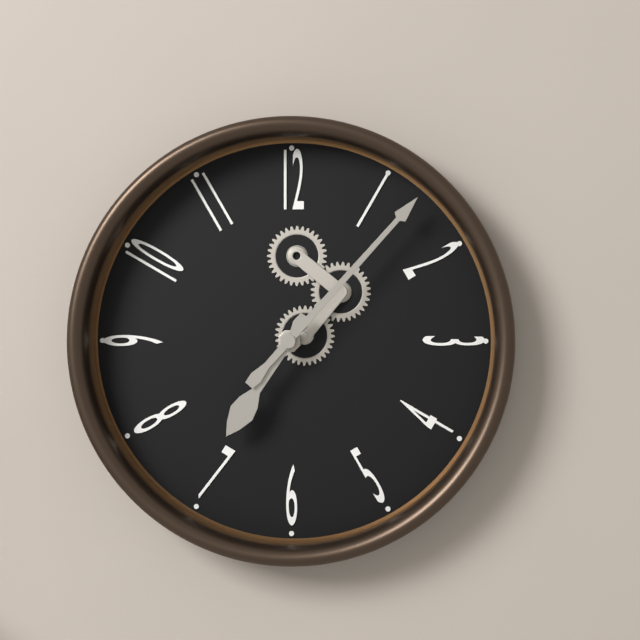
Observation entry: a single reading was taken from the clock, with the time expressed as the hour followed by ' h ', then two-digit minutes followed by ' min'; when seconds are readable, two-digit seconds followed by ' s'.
7 h 07 min
